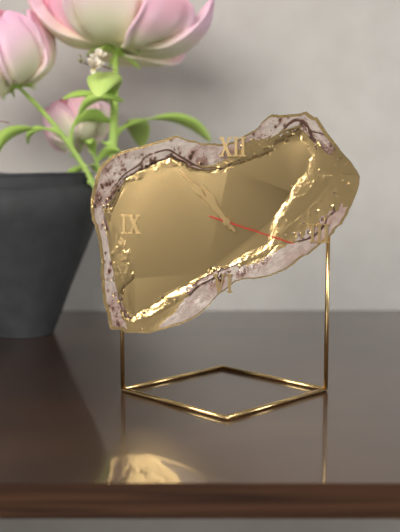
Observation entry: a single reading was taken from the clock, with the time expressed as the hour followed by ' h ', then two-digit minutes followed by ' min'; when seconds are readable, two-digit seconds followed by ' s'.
10 h 53 min 18 s
